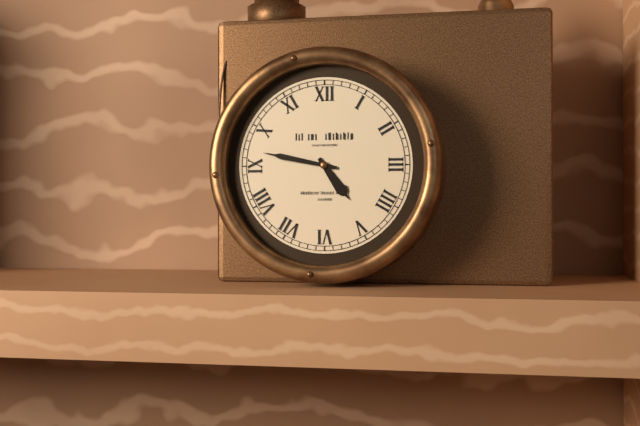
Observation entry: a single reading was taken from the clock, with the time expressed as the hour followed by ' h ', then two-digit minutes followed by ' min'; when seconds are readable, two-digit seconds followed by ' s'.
4 h 47 min
